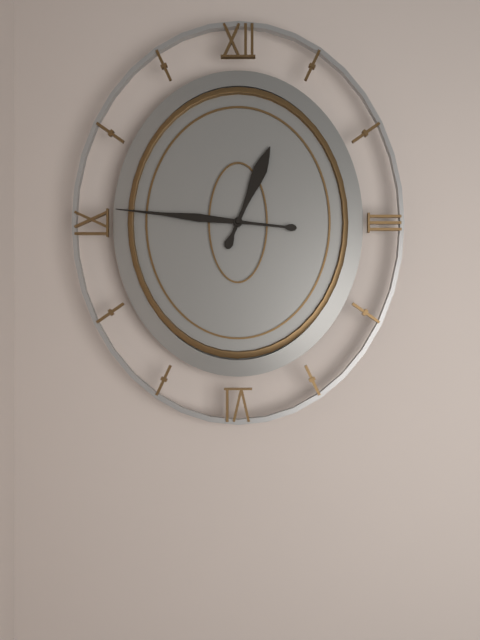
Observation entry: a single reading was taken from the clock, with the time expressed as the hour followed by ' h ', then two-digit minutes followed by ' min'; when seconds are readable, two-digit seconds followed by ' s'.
12 h 46 min
